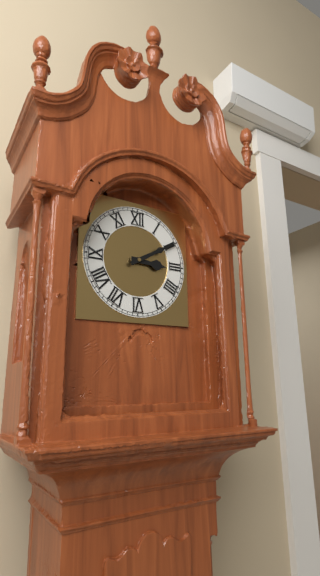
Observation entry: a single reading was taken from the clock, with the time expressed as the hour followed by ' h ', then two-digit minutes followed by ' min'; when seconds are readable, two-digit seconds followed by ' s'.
3 h 10 min
